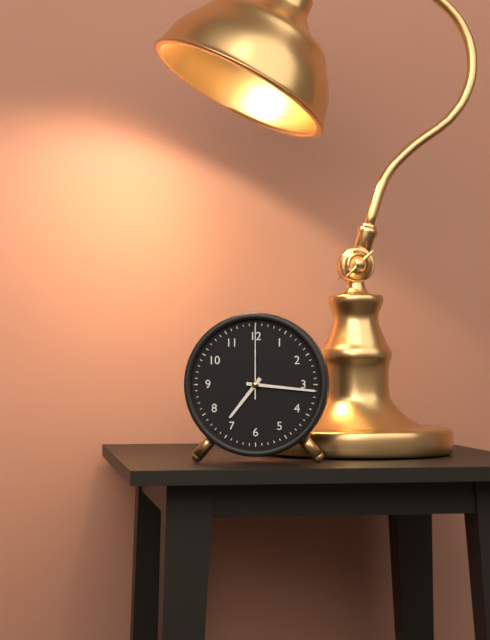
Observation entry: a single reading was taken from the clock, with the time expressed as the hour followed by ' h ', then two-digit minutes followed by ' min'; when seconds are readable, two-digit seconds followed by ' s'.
7 h 16 min 00 s
